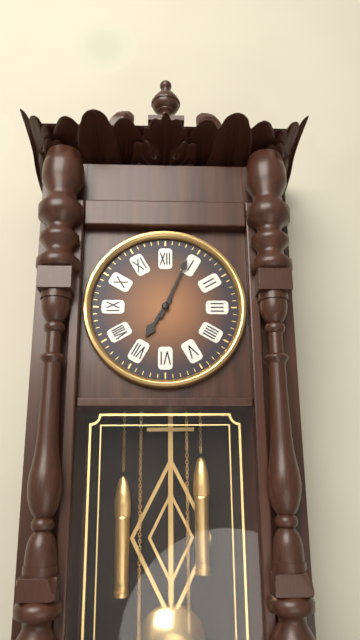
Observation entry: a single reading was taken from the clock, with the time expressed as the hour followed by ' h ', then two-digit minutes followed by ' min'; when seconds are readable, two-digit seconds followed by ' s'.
7 h 04 min
